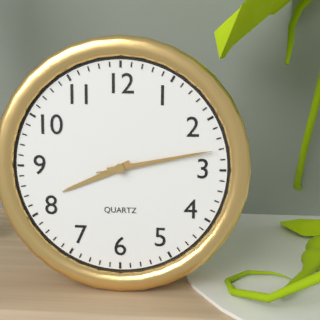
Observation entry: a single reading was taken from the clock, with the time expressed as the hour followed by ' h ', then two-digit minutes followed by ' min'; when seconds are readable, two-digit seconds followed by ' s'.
8 h 13 min 13 s
